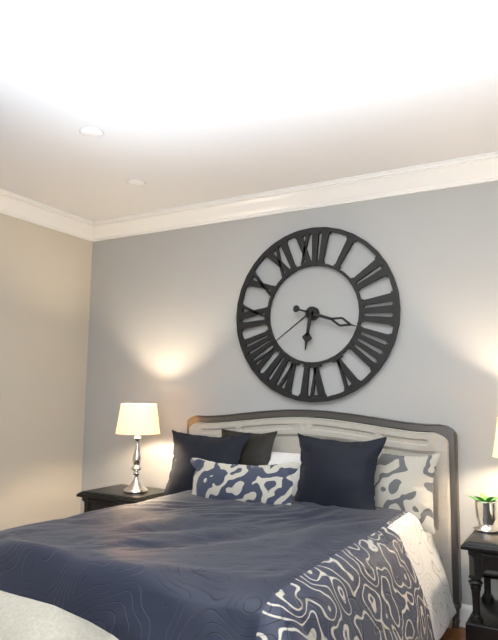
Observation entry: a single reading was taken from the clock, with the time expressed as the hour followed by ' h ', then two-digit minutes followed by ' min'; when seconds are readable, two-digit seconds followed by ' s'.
6 h 18 min 39 s
